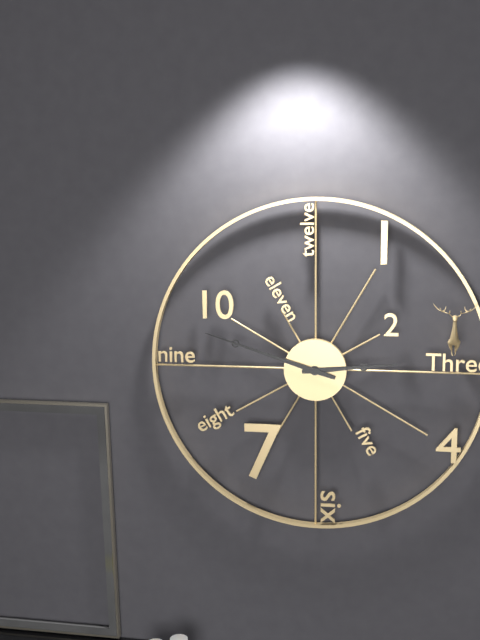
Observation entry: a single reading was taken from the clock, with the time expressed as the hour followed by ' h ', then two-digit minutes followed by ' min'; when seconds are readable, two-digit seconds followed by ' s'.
2 h 48 min
